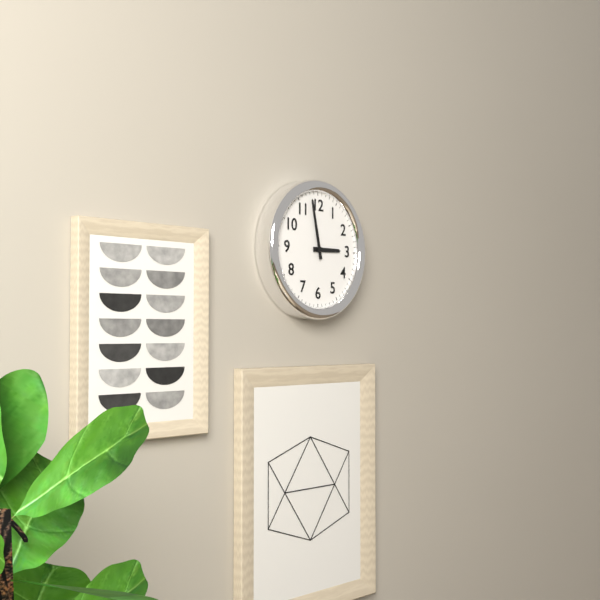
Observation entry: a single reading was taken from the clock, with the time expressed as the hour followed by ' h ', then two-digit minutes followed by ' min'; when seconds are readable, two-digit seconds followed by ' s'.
2 h 58 min
